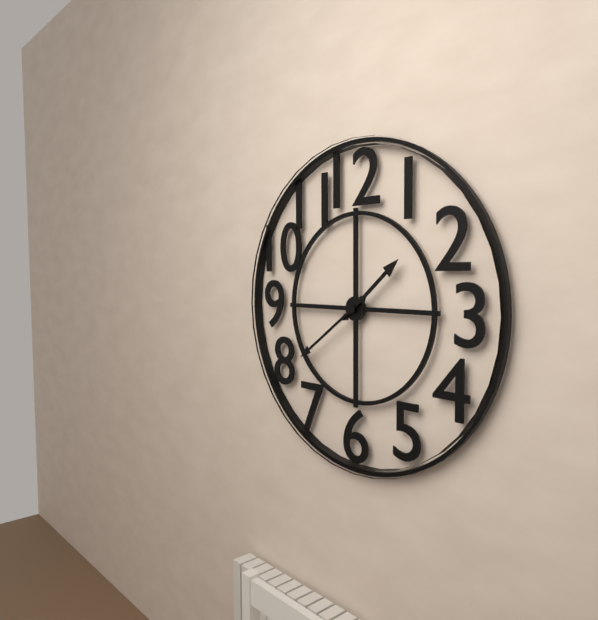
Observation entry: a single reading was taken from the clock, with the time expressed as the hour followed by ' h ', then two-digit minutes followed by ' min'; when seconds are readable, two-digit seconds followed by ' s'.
1 h 39 min
